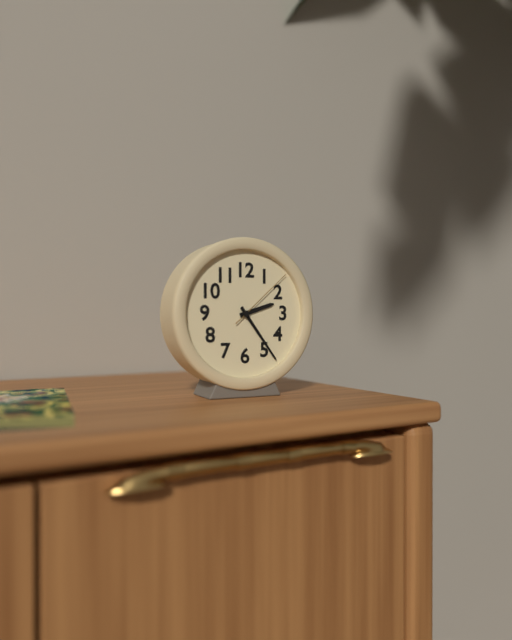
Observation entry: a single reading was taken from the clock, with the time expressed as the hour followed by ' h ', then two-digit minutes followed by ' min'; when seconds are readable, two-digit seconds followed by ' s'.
2 h 24 min 08 s
